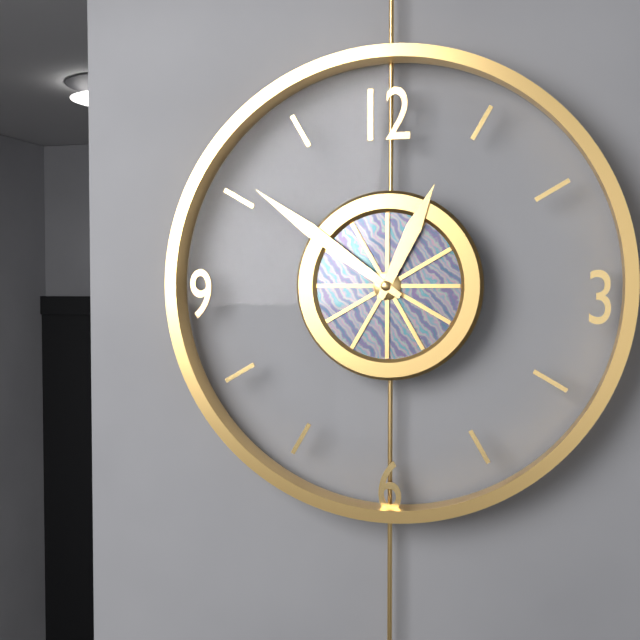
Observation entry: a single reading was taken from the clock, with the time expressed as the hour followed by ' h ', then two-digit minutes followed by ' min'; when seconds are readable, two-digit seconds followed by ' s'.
12 h 51 min
